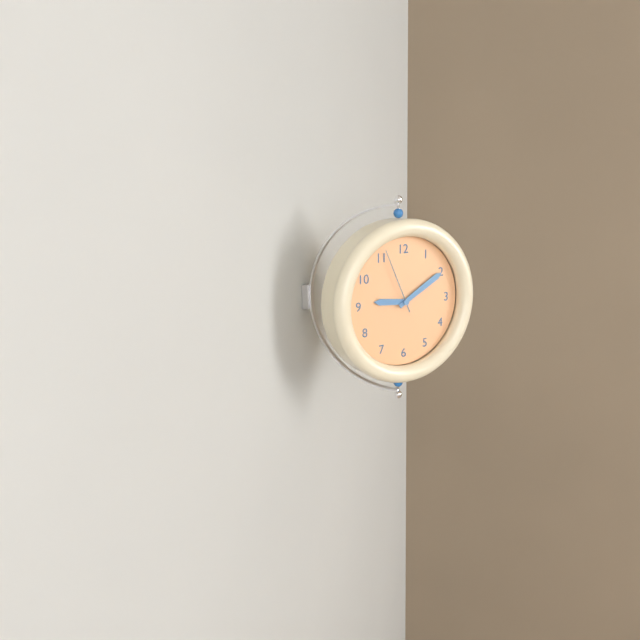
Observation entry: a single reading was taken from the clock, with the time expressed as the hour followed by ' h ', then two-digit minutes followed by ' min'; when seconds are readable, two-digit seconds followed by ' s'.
9 h 10 min 56 s
